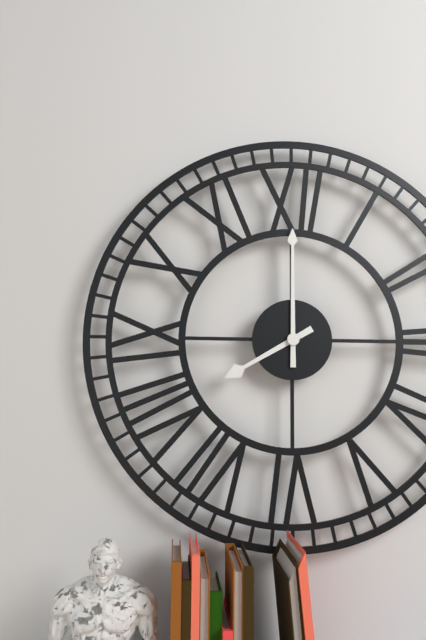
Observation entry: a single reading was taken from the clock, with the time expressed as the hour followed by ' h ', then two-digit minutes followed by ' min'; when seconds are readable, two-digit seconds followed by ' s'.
8 h 00 min
